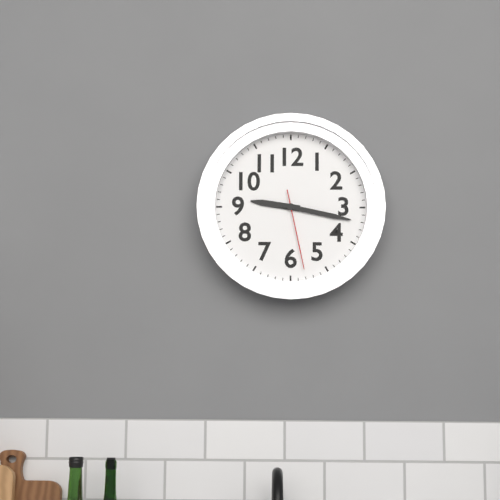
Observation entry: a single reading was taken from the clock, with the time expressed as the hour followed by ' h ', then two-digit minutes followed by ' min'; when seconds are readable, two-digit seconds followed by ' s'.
9 h 17 min 28 s
